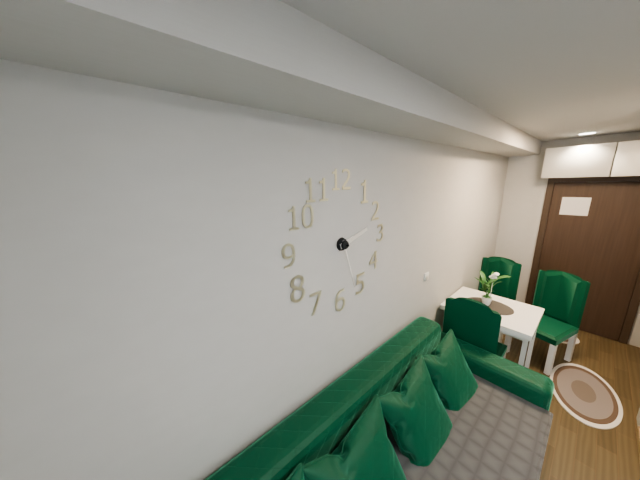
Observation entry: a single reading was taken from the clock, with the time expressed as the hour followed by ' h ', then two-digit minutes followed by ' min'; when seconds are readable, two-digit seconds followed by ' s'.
2 h 27 min
